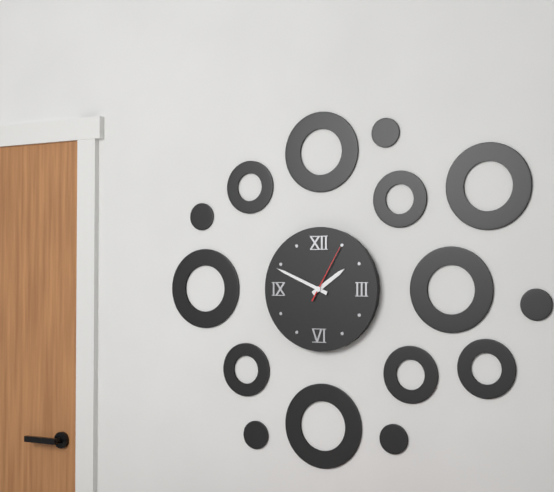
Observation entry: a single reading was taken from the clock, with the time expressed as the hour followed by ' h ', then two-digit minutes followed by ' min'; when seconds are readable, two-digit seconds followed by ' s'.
1 h 49 min 05 s
